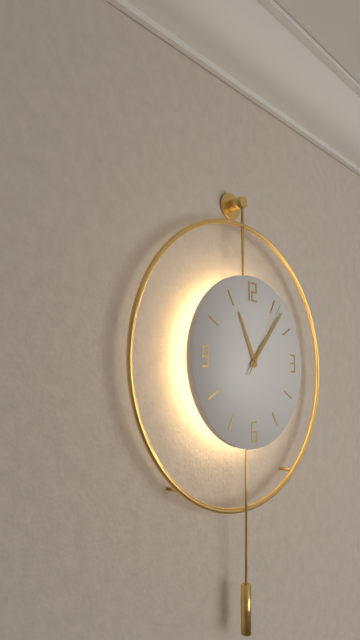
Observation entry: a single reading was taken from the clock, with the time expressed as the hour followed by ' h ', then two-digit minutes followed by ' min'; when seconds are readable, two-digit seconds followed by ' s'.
11 h 07 min 06 s
